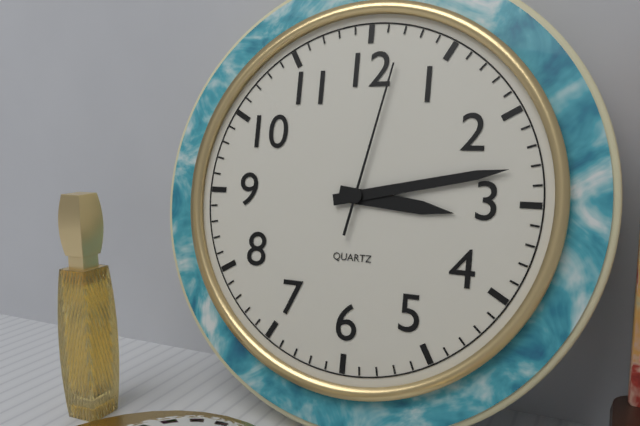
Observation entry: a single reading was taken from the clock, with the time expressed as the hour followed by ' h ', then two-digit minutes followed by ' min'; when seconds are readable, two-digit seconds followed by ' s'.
3 h 13 min 02 s
